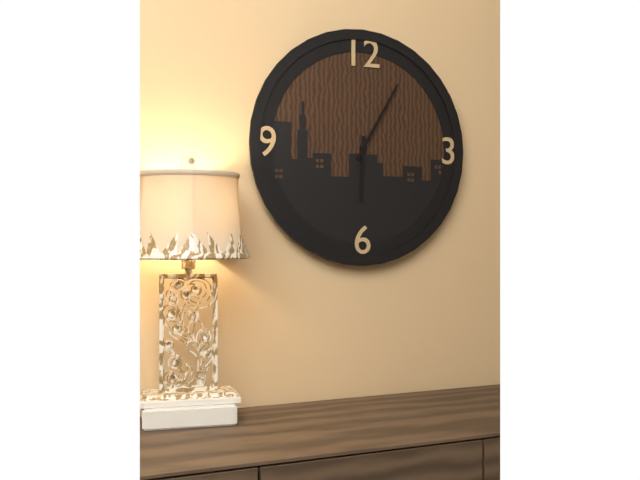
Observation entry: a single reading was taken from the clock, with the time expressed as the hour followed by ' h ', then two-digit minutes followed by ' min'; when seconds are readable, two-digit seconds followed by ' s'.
6 h 05 min
